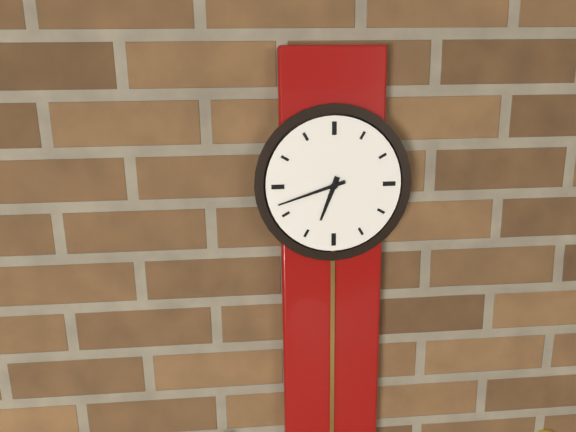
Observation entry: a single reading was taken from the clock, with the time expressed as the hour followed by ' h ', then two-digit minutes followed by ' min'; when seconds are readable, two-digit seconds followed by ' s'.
6 h 42 min
